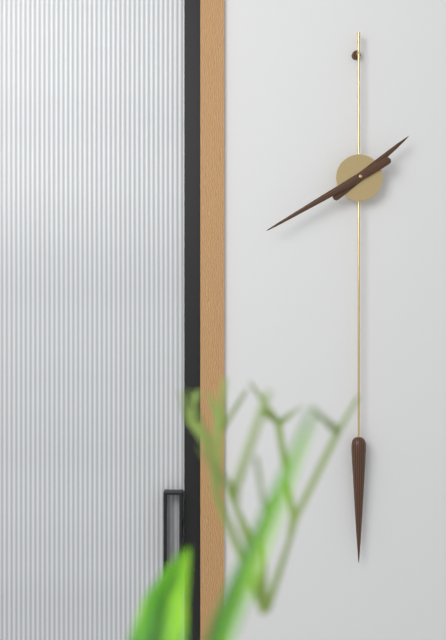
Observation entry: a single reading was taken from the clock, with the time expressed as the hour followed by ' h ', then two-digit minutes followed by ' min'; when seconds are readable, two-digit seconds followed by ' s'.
1 h 40 min
